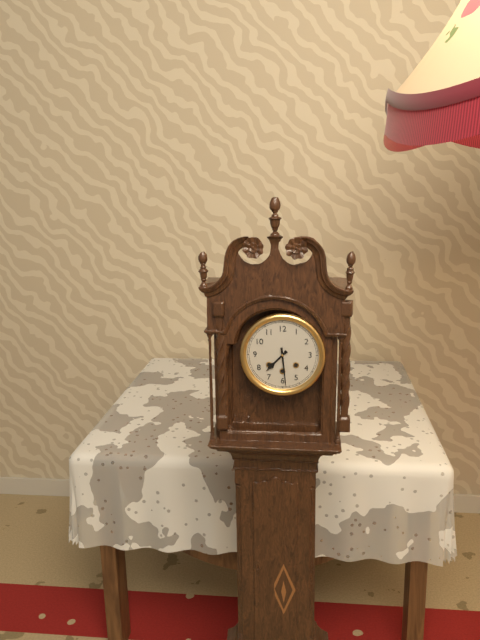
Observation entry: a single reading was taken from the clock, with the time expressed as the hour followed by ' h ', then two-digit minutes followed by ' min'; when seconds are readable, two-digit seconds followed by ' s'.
7 h 29 min
